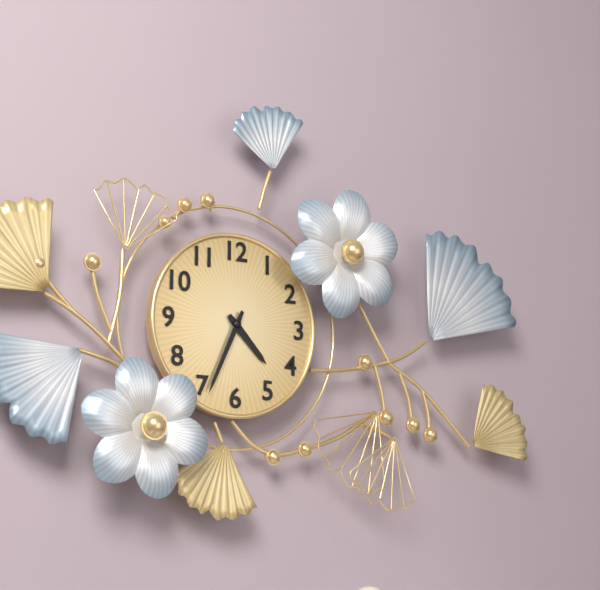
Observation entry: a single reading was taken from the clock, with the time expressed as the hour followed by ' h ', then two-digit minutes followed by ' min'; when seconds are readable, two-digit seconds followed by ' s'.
4 h 34 min
